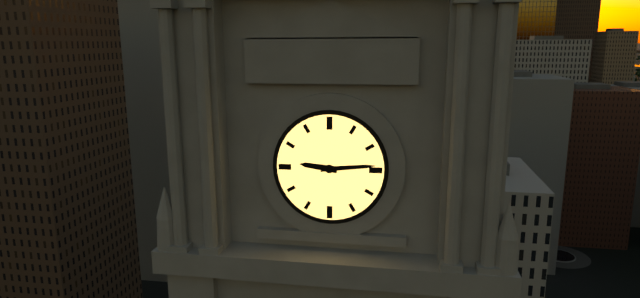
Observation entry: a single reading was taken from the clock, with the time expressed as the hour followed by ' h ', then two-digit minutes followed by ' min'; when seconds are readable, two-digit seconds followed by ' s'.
9 h 14 min
